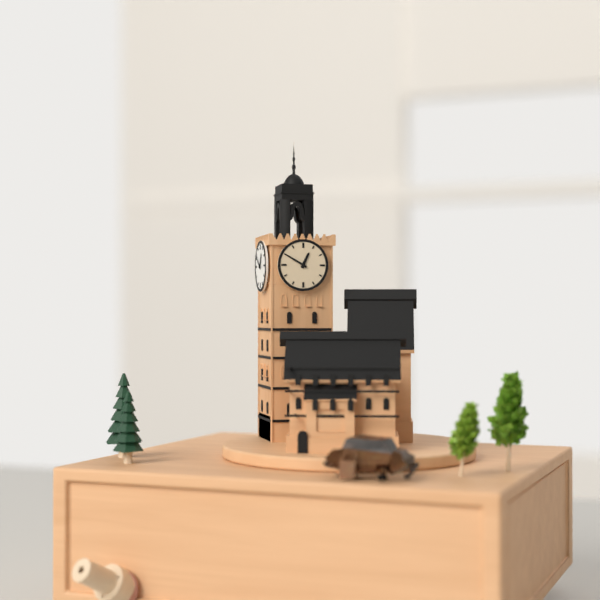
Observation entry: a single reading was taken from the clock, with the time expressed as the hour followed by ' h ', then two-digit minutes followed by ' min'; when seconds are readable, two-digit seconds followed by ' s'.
12 h 50 min
